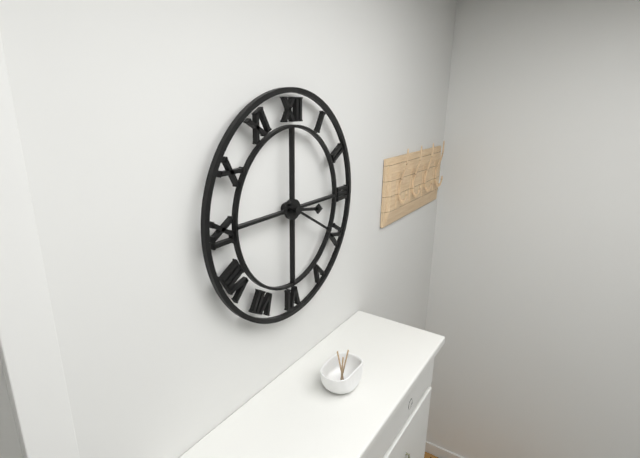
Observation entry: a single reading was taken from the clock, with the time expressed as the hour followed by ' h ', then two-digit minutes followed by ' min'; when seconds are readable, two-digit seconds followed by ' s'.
3 h 20 min
